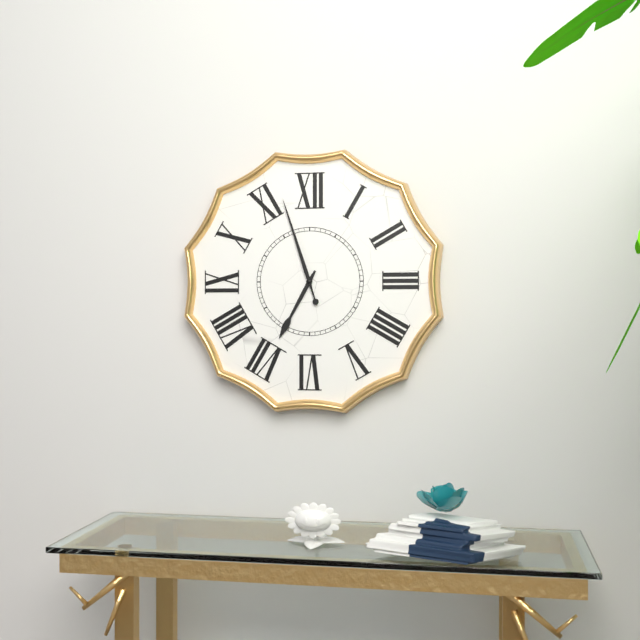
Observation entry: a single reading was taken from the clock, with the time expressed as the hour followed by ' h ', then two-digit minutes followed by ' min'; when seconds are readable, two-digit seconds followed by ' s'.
6 h 57 min
